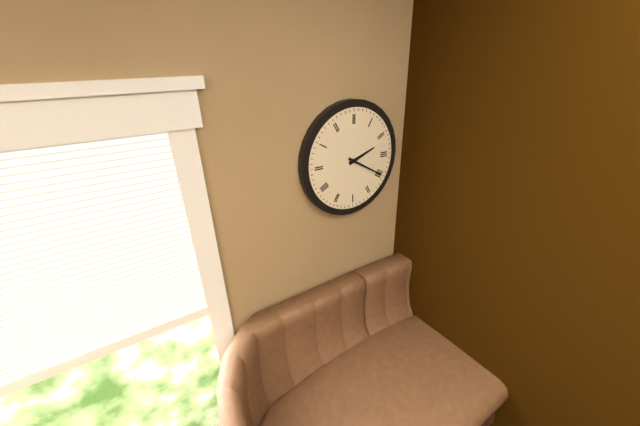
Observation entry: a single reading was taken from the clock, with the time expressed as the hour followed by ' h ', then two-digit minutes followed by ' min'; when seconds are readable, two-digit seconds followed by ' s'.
2 h 20 min
